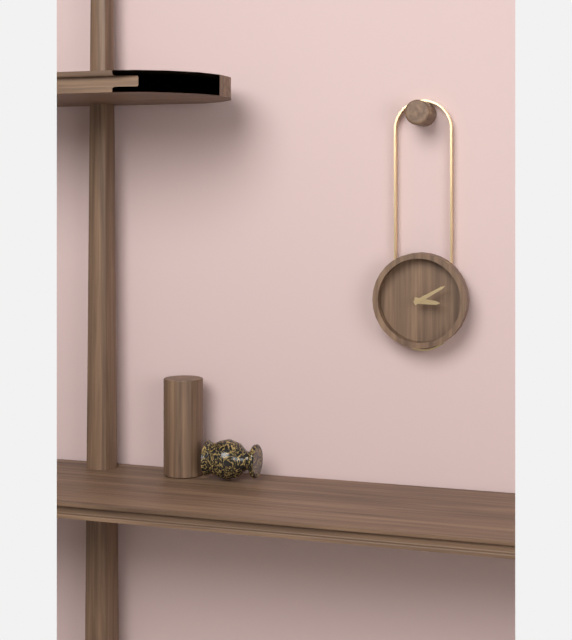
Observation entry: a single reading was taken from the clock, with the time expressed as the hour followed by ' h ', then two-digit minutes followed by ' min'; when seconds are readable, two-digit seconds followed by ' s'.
3 h 10 min
